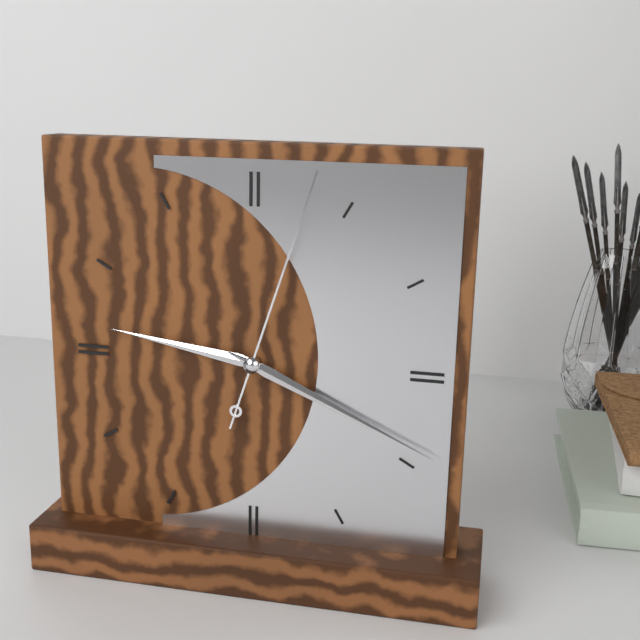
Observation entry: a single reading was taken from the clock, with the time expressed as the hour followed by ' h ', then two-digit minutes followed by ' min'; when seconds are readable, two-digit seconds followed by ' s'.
9 h 19 min 03 s
